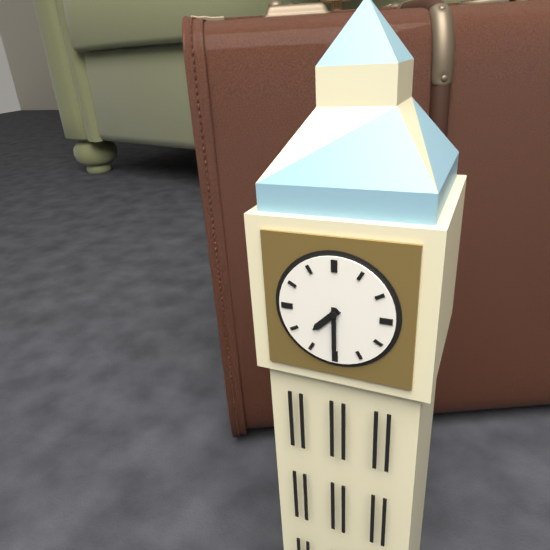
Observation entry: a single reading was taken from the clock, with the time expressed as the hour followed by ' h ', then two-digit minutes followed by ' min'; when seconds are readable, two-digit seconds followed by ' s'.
7 h 30 min
